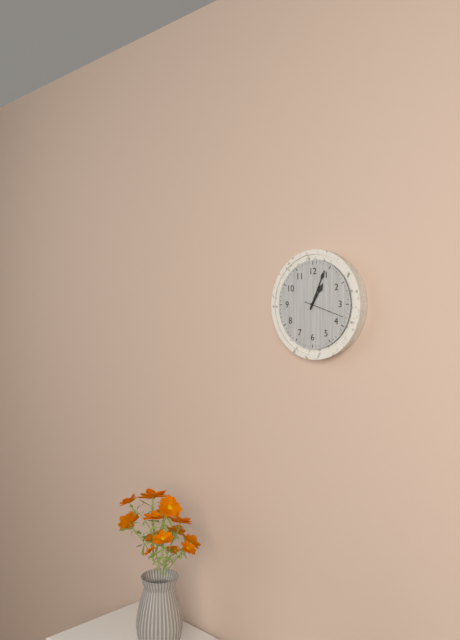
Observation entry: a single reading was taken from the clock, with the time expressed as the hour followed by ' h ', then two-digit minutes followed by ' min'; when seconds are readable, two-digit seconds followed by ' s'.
1 h 04 min
